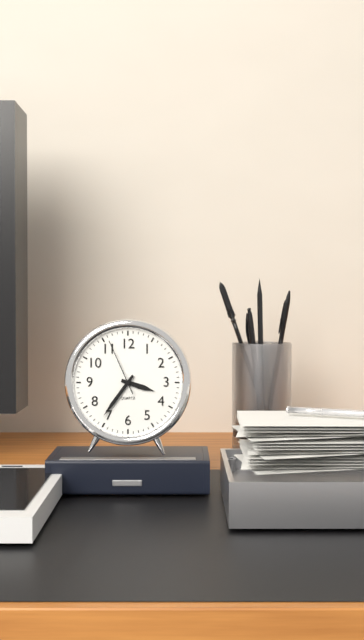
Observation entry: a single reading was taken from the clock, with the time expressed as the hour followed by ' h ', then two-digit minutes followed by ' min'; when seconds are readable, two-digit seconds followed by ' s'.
3 h 36 min 56 s
